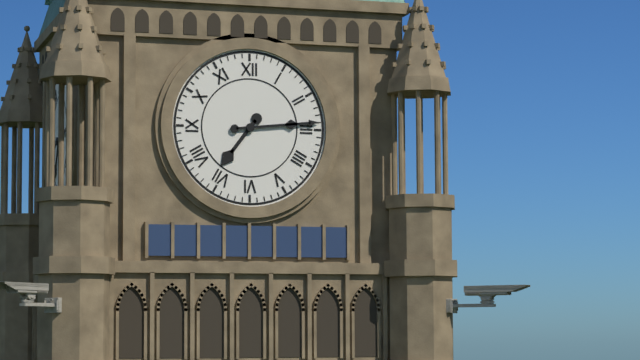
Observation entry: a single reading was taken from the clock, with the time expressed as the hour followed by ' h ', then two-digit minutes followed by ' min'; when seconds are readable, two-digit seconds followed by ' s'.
7 h 14 min
